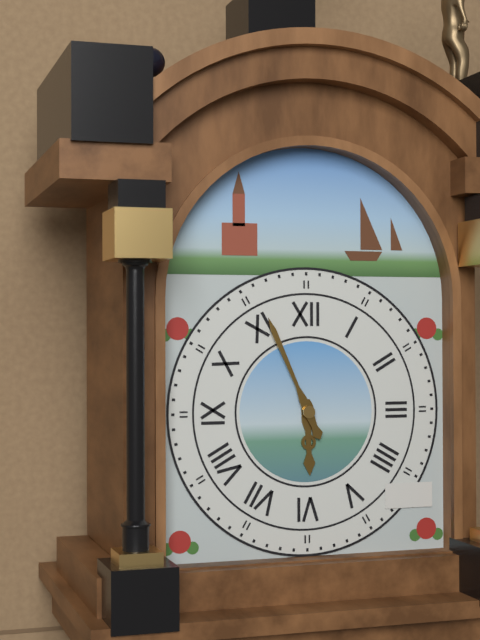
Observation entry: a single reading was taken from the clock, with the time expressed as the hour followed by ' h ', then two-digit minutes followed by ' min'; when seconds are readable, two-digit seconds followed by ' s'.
5 h 56 min
